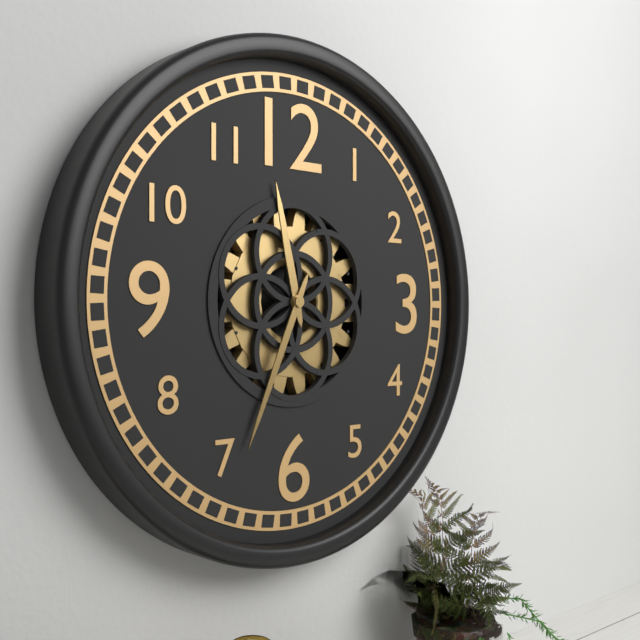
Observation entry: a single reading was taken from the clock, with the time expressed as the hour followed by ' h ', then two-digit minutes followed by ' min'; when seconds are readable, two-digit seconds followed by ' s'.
11 h 34 min
